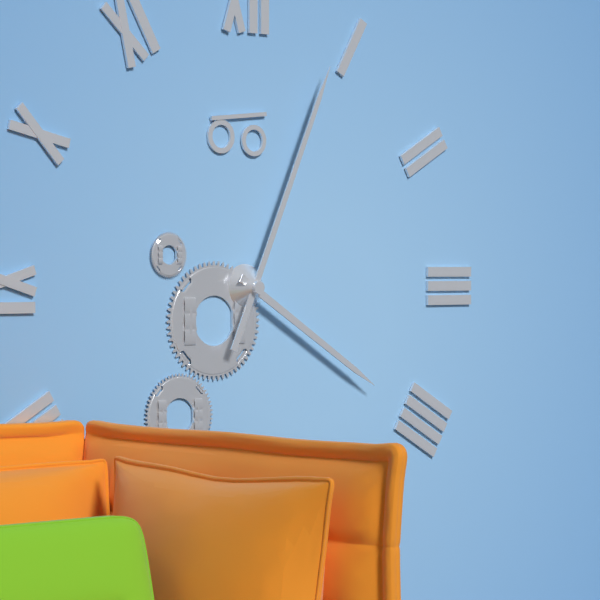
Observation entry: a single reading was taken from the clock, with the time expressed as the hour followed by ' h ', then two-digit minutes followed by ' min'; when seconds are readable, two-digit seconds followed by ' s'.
4 h 04 min
